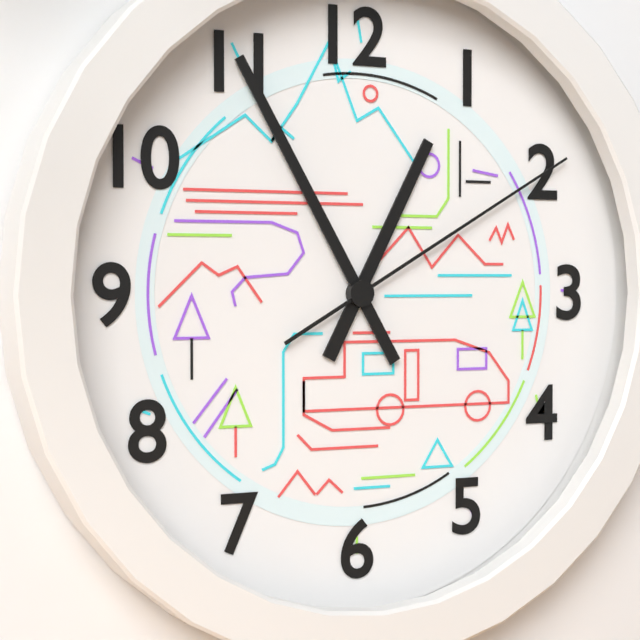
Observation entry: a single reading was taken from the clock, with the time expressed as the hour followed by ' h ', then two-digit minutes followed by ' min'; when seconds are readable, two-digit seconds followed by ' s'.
12 h 55 min 10 s
